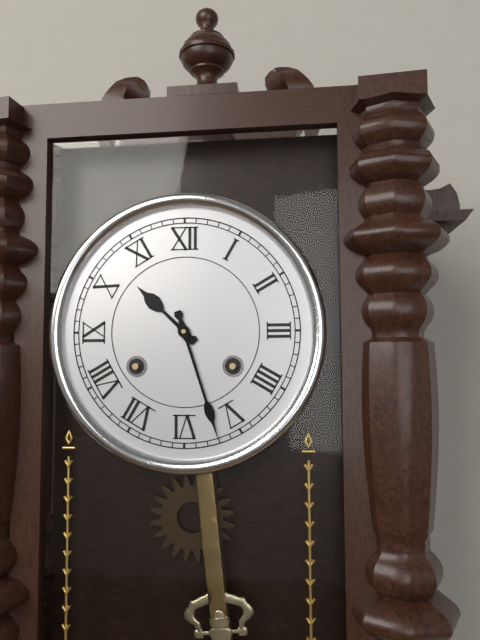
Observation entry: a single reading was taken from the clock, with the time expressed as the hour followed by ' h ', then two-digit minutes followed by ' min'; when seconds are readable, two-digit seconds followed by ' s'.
10 h 27 min
